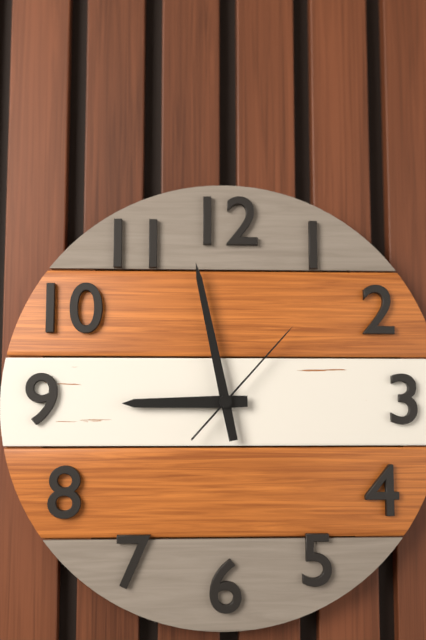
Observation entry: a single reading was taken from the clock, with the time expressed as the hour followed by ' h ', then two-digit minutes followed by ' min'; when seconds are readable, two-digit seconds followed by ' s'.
8 h 58 min 07 s
